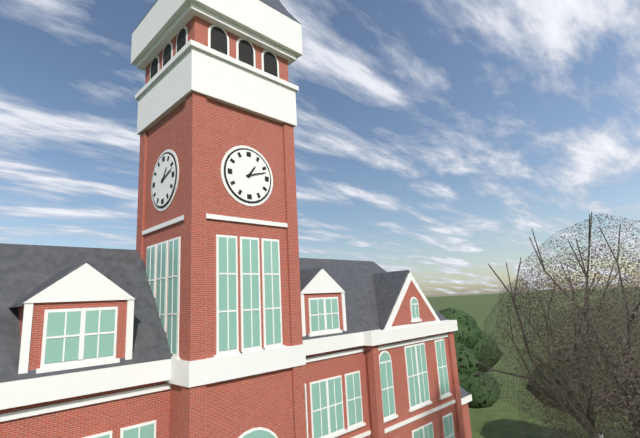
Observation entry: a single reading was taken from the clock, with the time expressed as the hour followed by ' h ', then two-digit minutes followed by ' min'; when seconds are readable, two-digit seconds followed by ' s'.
1 h 12 min
